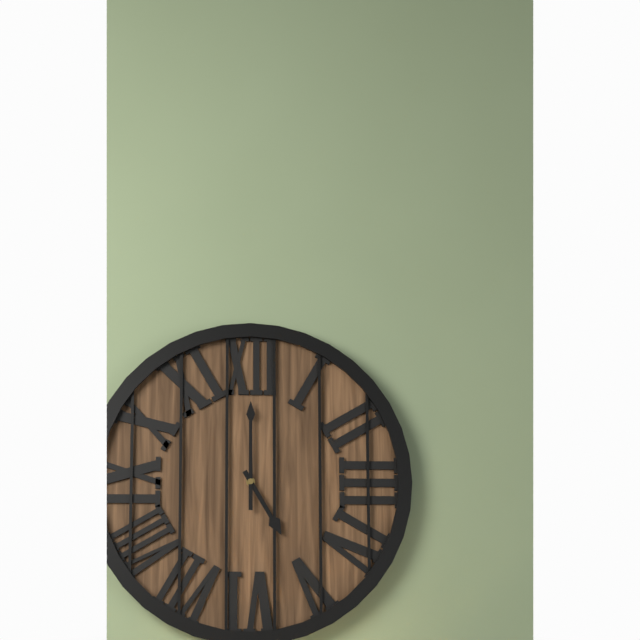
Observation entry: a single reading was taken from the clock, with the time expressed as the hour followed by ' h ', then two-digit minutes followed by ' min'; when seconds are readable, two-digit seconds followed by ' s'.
5 h 00 min
